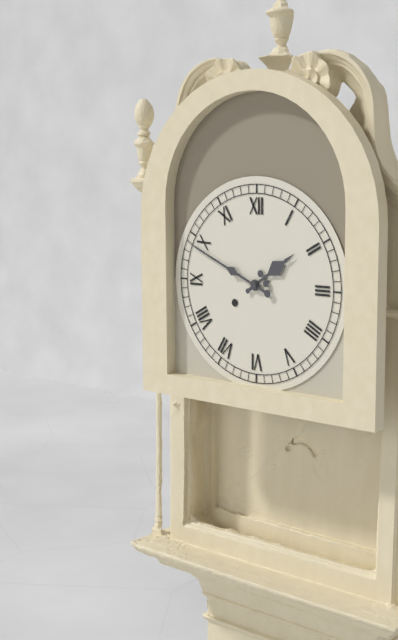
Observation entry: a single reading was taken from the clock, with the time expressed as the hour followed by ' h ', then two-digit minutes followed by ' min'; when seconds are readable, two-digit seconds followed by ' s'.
1 h 49 min
